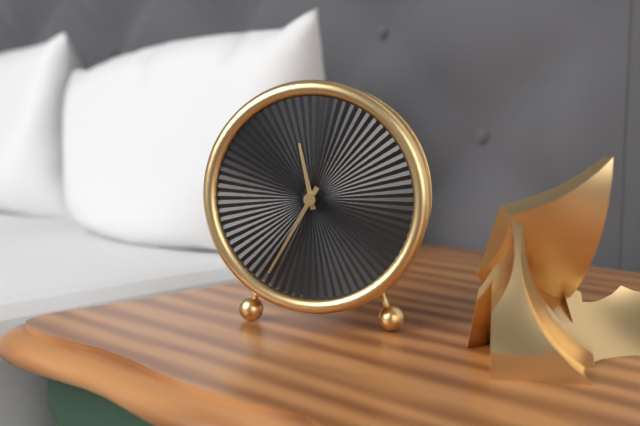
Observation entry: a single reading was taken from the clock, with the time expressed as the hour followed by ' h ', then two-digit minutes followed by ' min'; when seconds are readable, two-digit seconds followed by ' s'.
11 h 35 min
